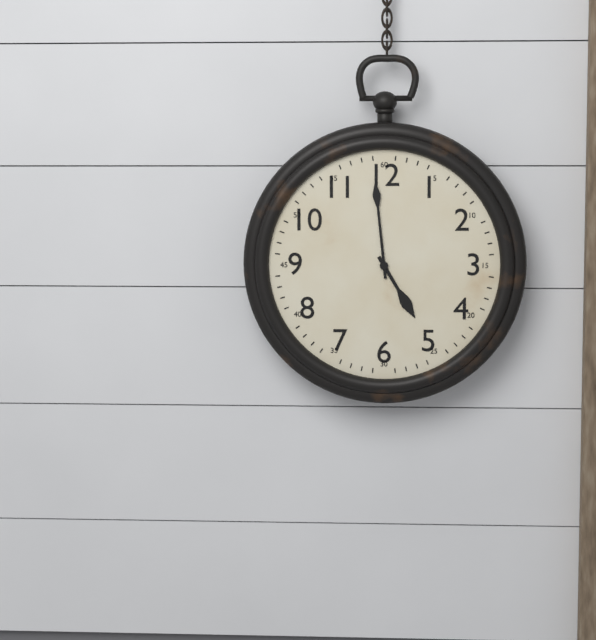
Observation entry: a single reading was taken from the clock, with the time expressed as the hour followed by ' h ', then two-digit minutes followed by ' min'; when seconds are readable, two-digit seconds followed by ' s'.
4 h 59 min
